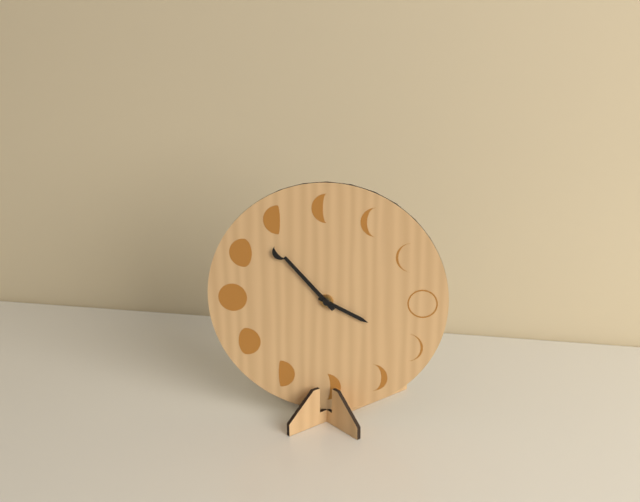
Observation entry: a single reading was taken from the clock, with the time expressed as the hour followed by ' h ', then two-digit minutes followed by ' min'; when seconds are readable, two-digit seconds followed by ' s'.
3 h 53 min
